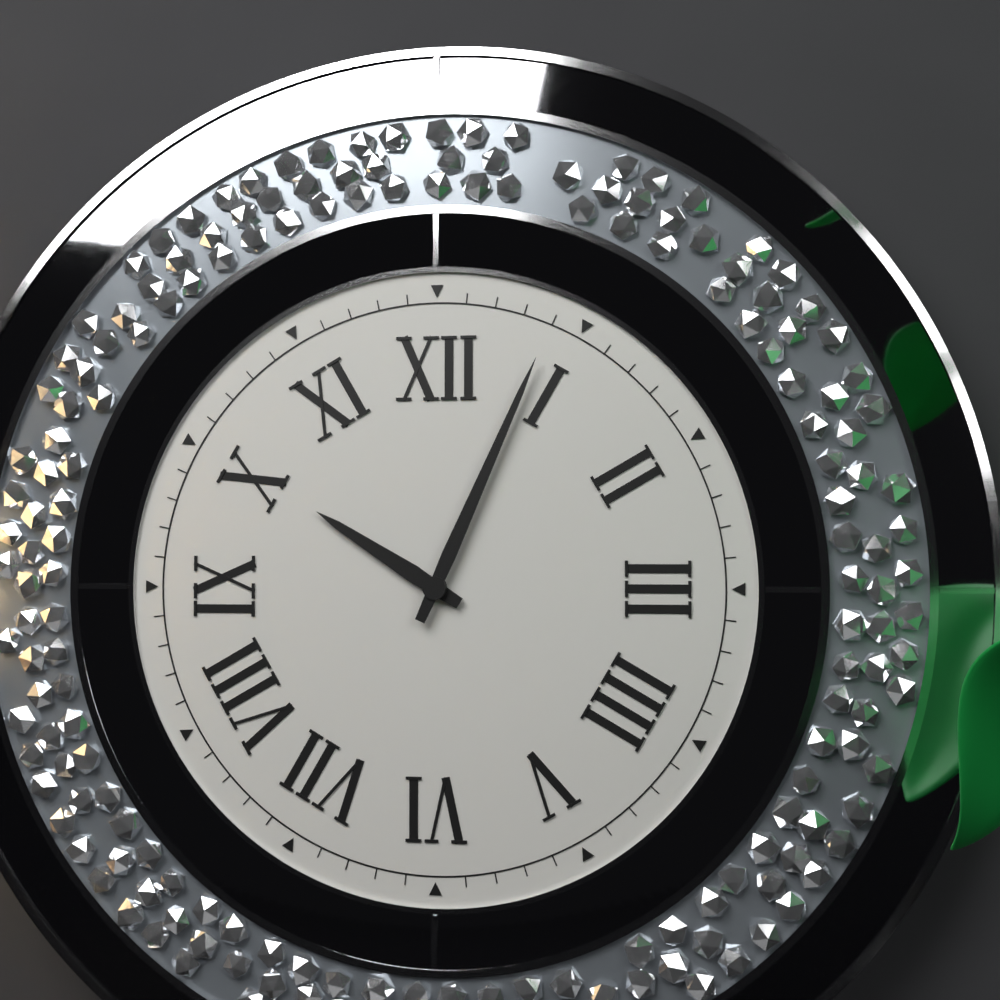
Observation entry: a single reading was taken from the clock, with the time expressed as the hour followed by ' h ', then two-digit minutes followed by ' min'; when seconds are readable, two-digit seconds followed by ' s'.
10 h 04 min
